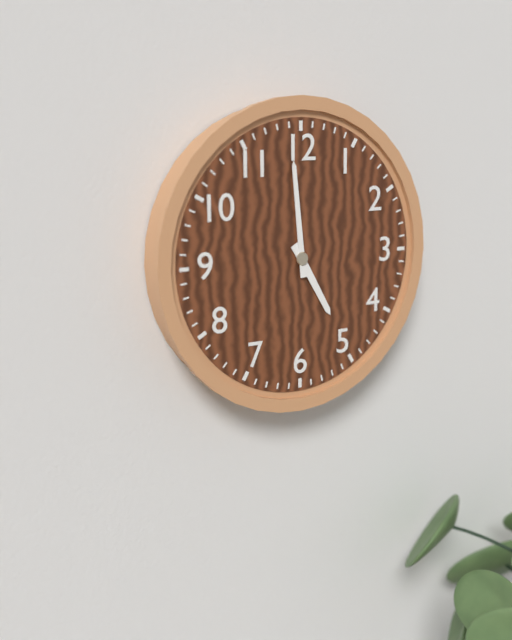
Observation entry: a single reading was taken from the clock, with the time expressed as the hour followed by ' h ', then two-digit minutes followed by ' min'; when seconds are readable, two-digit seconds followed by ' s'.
4 h 59 min
